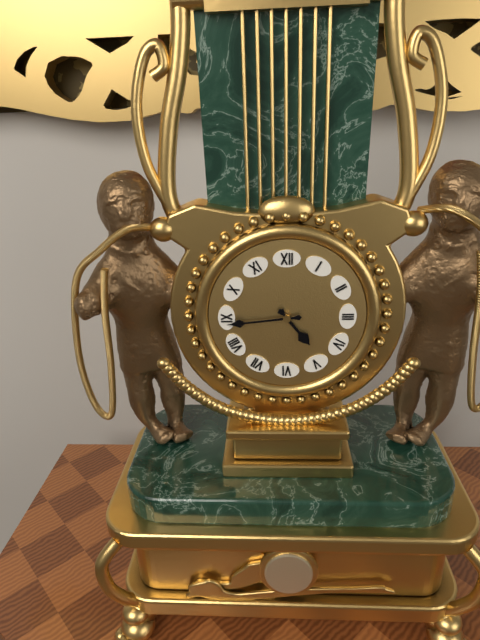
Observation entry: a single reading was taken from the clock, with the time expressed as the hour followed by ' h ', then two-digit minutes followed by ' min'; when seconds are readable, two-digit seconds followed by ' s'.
4 h 44 min
